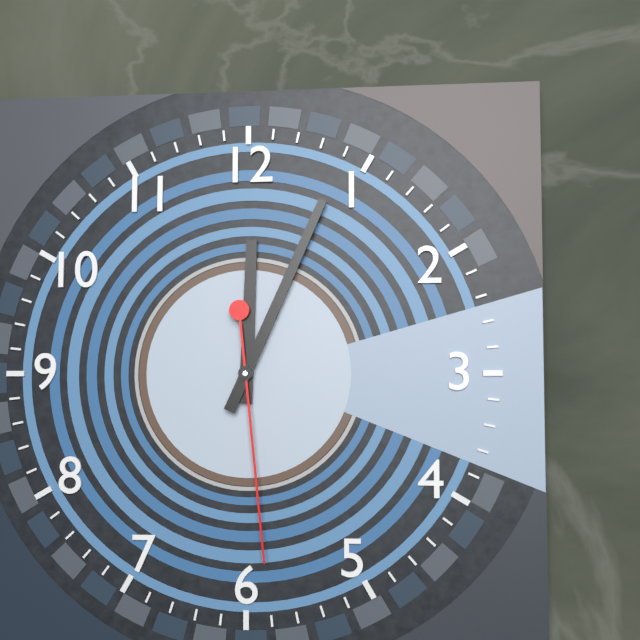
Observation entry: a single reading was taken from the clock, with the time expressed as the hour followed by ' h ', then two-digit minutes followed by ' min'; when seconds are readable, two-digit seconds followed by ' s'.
12 h 04 min 29 s
